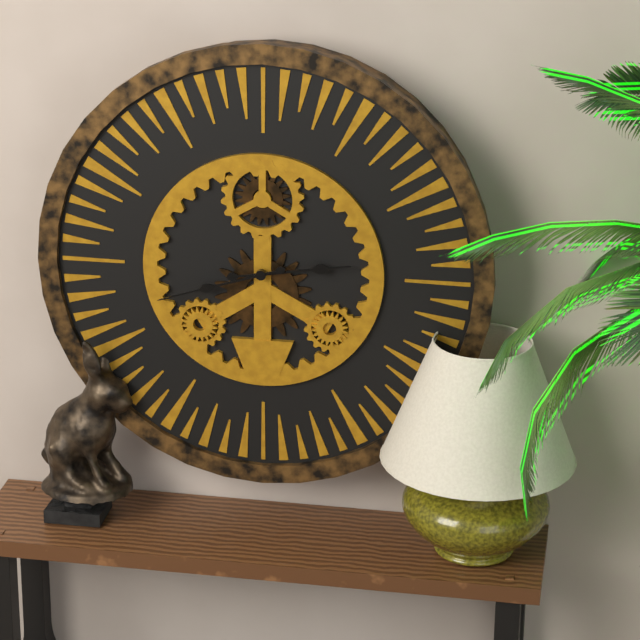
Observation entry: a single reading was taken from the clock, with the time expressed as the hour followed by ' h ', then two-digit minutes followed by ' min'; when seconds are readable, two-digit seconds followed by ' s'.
2 h 42 min
